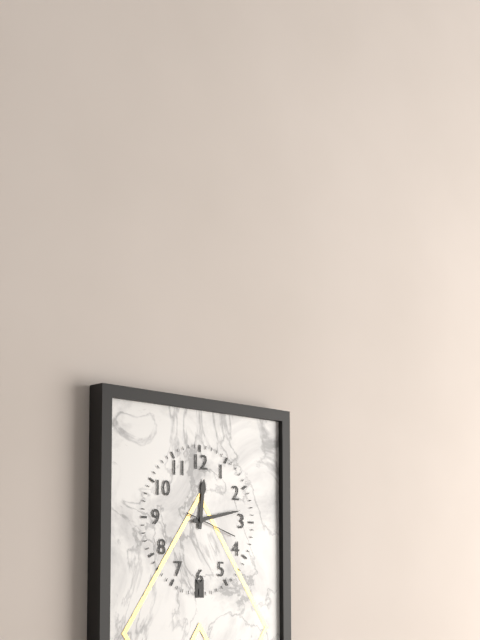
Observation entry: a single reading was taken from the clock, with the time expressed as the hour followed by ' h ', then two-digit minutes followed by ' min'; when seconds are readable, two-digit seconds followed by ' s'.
12 h 13 min
